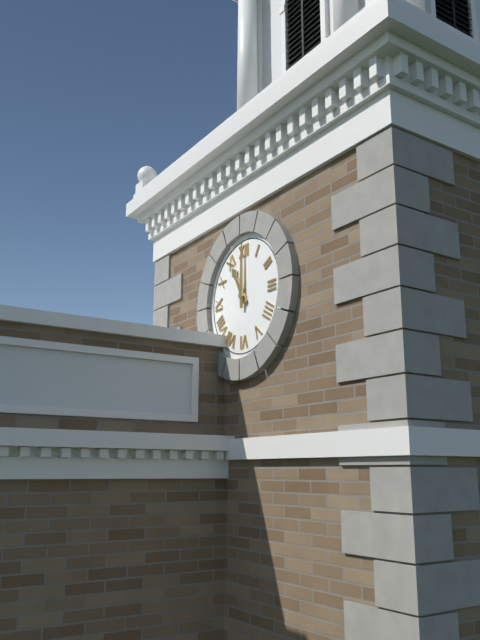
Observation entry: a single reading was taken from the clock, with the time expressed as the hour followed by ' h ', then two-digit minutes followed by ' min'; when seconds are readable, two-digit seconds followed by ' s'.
11 h 00 min
